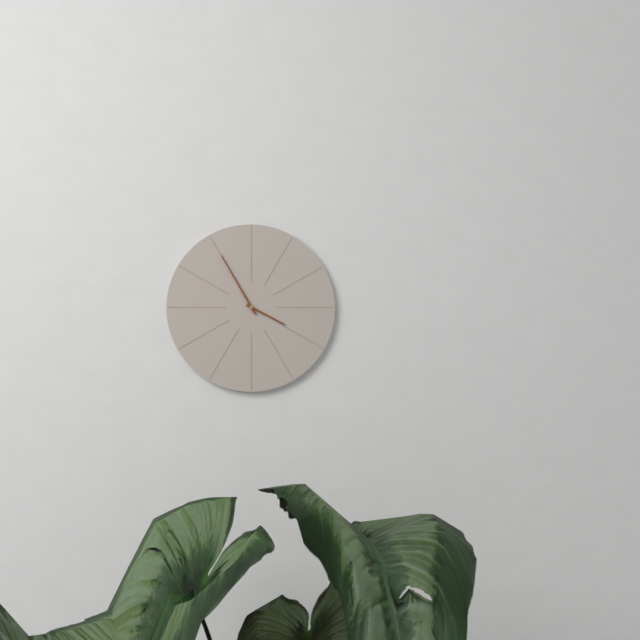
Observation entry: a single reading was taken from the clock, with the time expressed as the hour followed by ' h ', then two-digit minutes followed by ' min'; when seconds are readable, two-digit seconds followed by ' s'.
3 h 55 min
